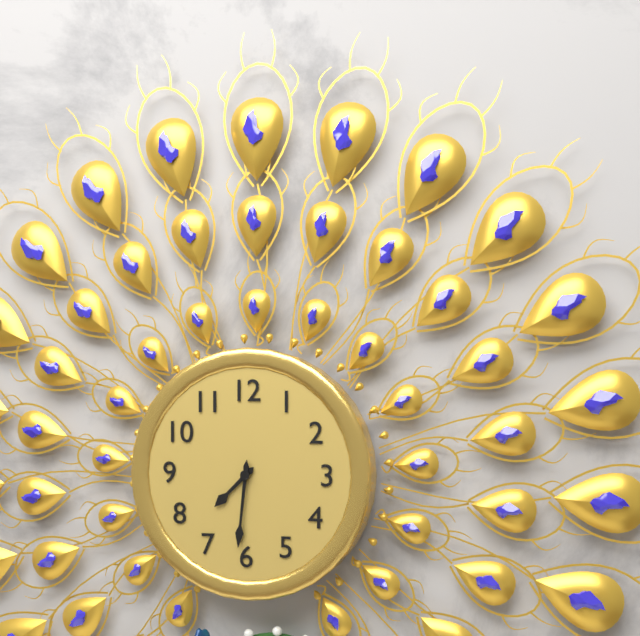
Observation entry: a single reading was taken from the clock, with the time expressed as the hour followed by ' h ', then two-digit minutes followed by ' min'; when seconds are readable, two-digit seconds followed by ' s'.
7 h 31 min
